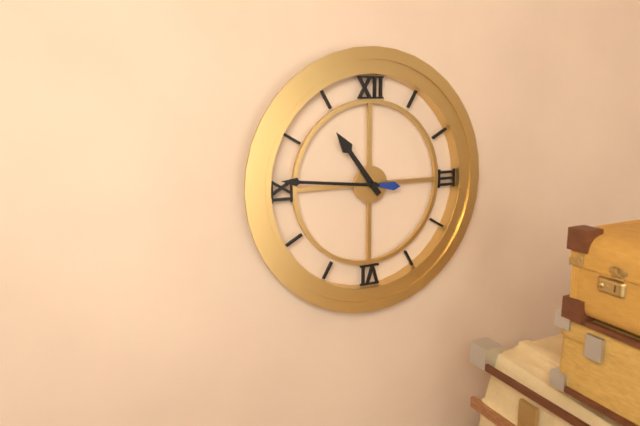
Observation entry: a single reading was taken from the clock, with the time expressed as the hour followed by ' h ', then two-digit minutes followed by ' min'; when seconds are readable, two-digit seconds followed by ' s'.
10 h 46 min
